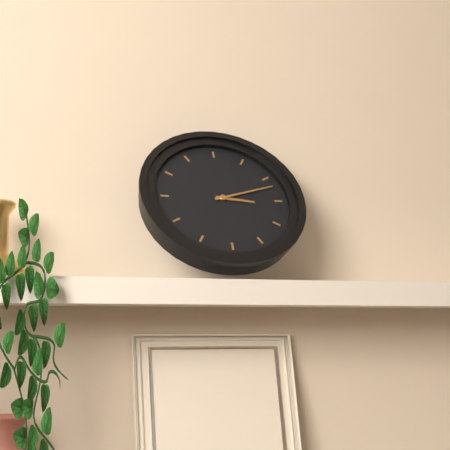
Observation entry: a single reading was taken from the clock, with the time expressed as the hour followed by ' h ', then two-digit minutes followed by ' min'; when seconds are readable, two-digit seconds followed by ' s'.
3 h 12 min
